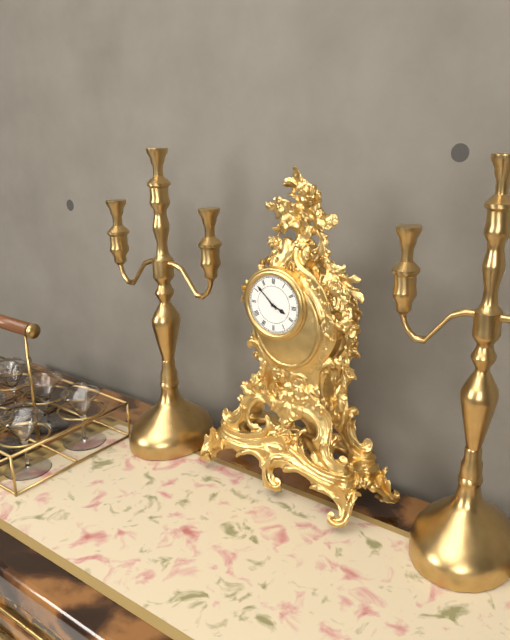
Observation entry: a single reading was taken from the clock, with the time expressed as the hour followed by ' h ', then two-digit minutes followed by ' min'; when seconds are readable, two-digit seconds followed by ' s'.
3 h 52 min
